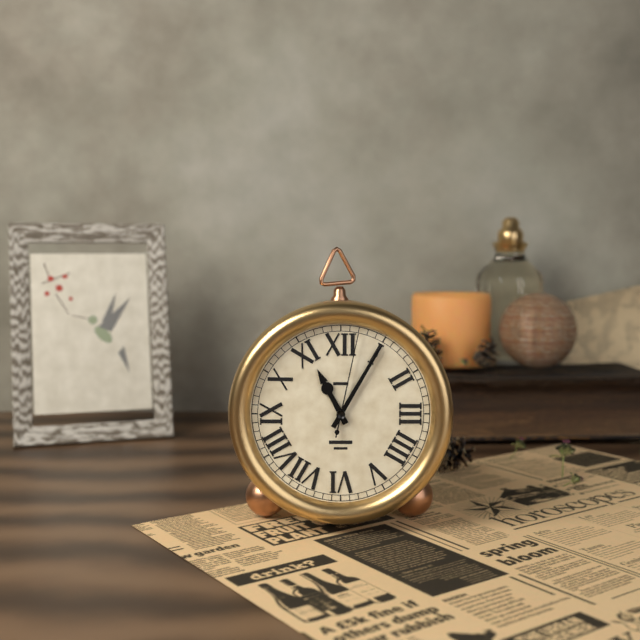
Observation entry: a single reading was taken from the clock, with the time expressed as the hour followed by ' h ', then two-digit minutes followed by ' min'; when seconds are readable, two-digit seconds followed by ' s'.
11 h 05 min 02 s
